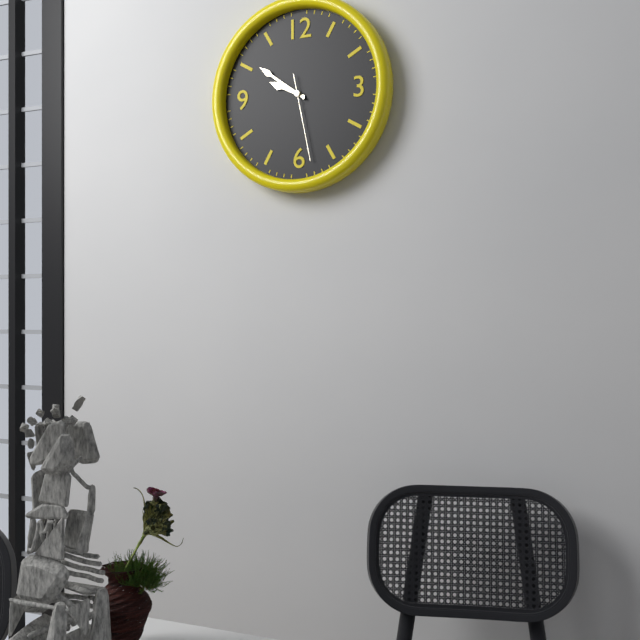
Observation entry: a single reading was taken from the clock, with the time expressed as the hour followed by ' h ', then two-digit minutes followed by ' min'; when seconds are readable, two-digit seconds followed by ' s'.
9 h 51 min 28 s
